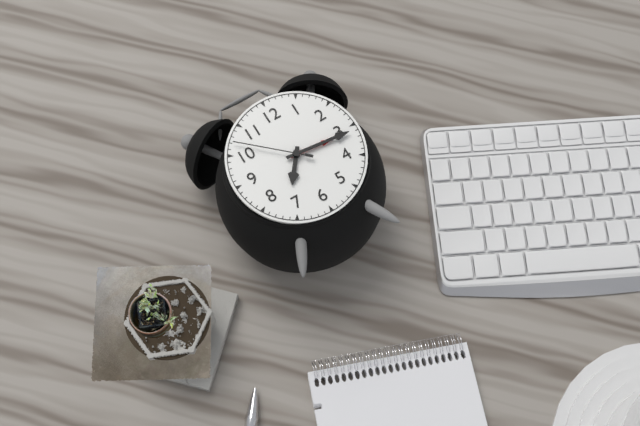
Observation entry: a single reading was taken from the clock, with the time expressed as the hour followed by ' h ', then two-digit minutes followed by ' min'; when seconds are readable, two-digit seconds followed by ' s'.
7 h 16 min 52 s
